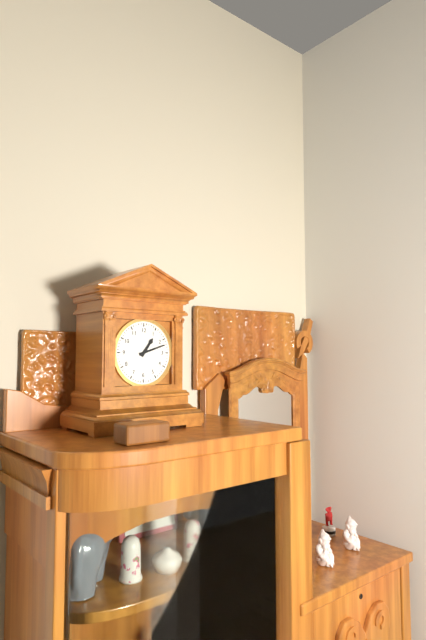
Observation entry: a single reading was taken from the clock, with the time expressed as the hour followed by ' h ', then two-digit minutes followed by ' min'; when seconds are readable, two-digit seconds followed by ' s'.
1 h 12 min
